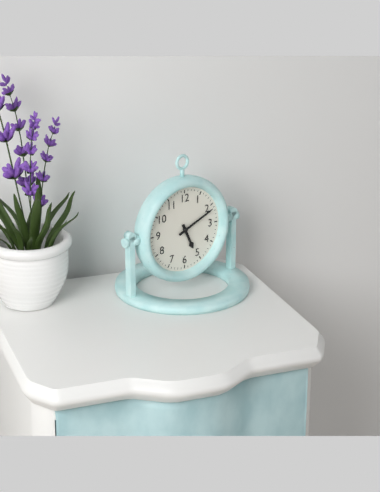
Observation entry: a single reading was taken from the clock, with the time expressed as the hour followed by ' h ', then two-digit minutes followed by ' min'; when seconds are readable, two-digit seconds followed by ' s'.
5 h 11 min
